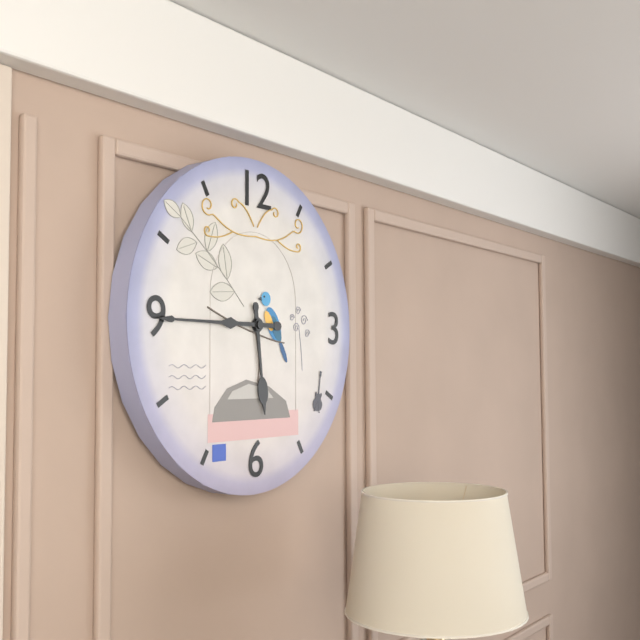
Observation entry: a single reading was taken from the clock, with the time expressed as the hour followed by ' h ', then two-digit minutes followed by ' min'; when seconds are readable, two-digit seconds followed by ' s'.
5 h 45 min
